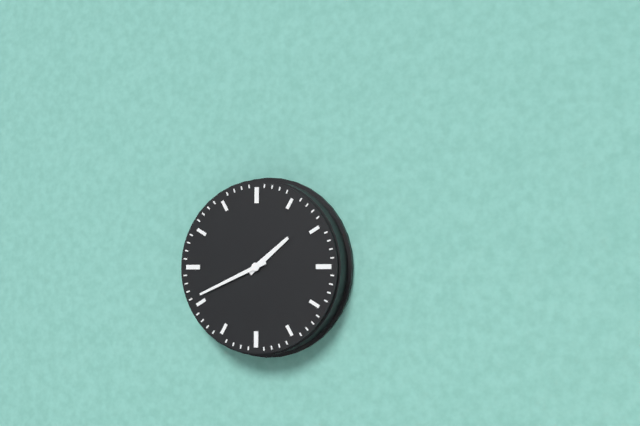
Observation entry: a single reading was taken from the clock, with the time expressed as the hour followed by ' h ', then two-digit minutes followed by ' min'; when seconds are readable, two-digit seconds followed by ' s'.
1 h 41 min
